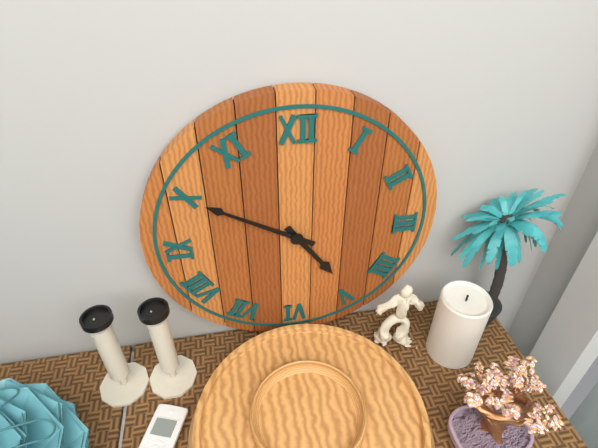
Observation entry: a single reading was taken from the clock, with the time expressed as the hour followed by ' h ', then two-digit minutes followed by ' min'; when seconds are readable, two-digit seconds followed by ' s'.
4 h 50 min
